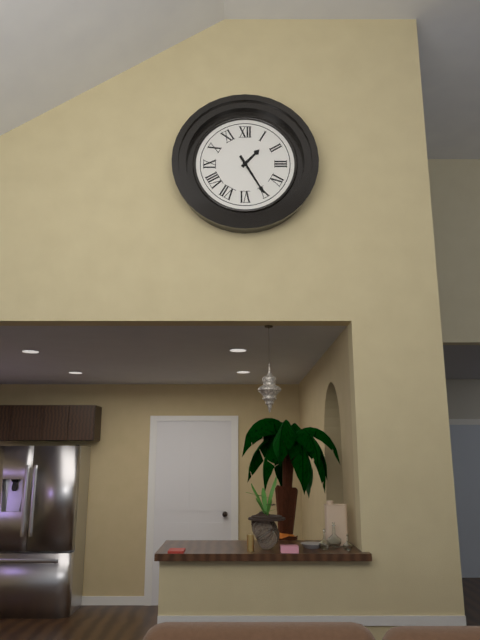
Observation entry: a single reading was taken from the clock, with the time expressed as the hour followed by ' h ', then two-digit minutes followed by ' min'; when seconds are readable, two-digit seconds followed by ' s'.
1 h 25 min
